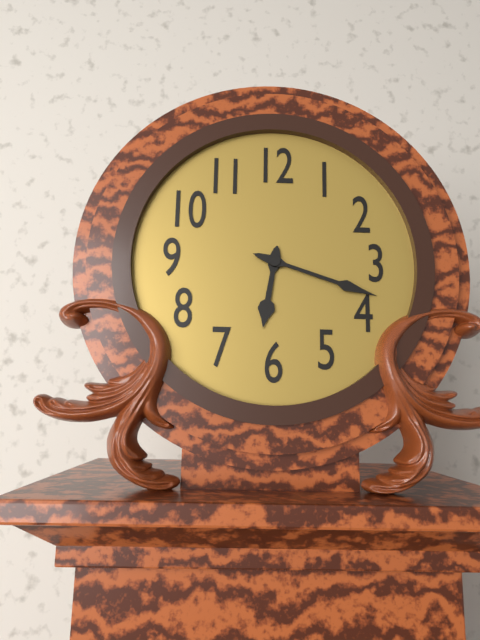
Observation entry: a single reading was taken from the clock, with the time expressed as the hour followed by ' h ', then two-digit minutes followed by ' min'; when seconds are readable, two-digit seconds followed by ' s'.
6 h 18 min
